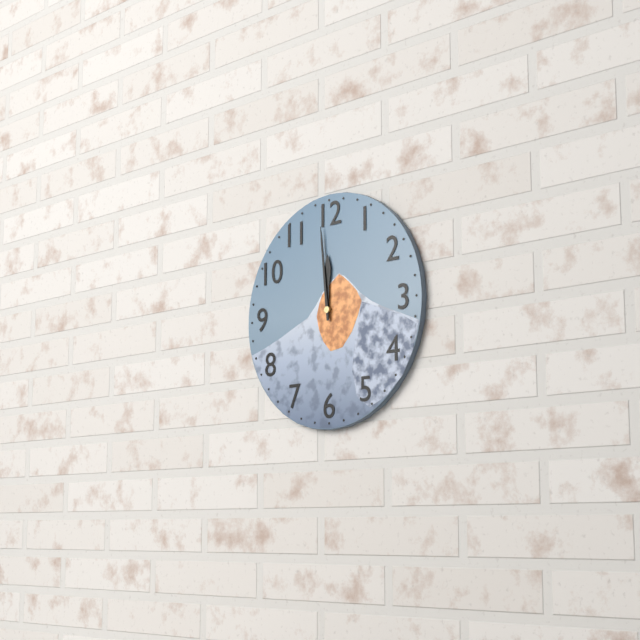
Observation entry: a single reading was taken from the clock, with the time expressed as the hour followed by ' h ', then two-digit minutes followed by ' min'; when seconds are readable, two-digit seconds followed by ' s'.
11 h 59 min
